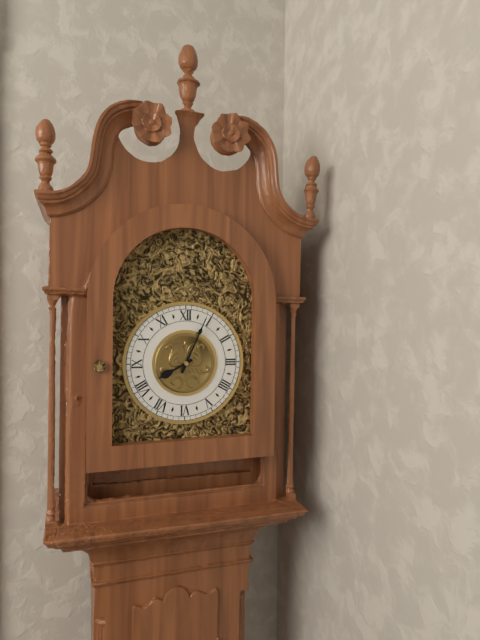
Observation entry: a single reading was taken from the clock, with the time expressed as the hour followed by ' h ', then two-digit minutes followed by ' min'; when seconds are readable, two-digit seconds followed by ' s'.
8 h 04 min
